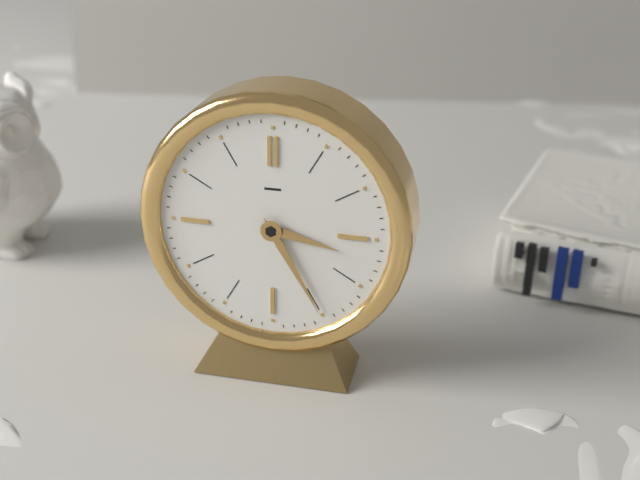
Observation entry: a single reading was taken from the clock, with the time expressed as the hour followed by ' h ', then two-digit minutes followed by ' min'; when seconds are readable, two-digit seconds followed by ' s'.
3 h 25 min
